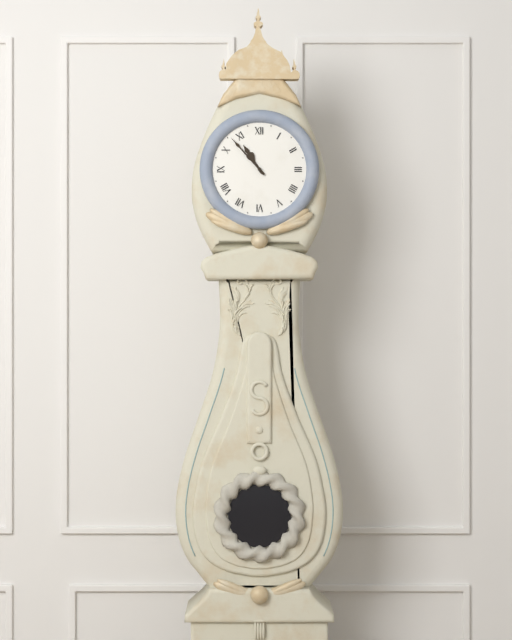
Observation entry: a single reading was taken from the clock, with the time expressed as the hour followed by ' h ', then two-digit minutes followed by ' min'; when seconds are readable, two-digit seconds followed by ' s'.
10 h 53 min
